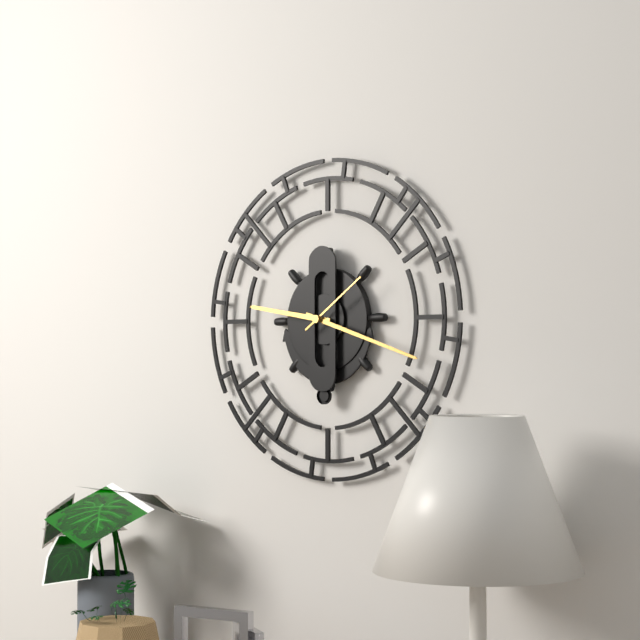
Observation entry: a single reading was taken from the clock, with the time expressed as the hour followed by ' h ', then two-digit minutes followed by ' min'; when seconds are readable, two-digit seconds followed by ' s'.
9 h 18 min 09 s
